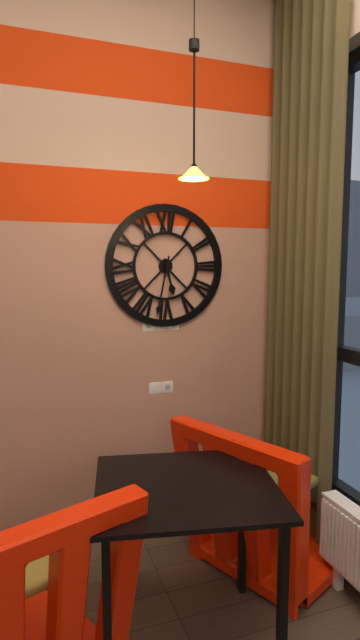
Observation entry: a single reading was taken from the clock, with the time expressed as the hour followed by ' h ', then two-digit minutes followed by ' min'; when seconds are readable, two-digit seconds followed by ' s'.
5 h 32 min
